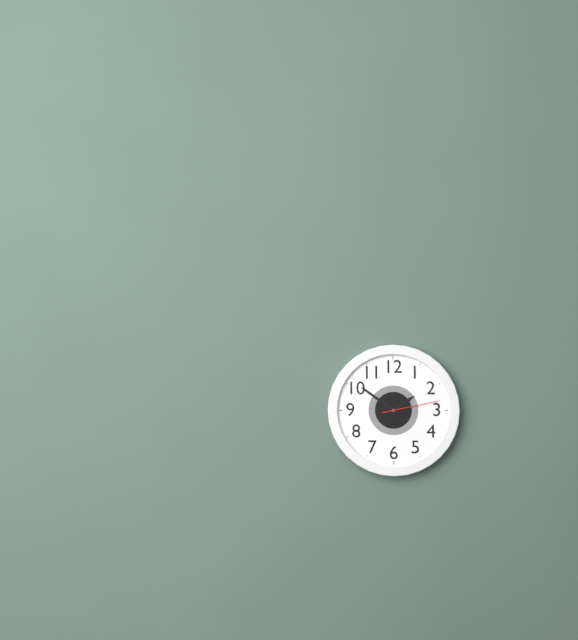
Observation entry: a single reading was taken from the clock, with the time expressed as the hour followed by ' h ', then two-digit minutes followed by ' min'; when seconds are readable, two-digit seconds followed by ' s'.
1 h 51 min 13 s
